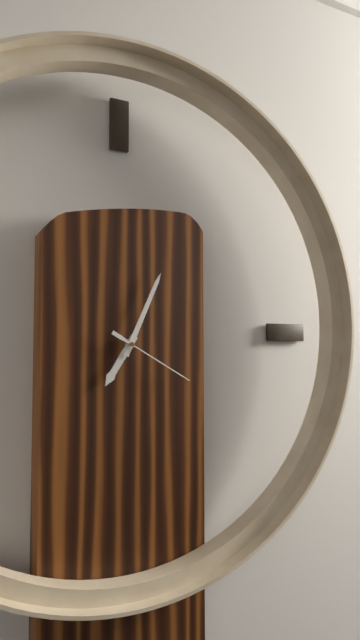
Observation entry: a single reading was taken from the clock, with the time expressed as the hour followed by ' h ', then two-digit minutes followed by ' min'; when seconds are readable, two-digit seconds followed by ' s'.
7 h 04 min 20 s
